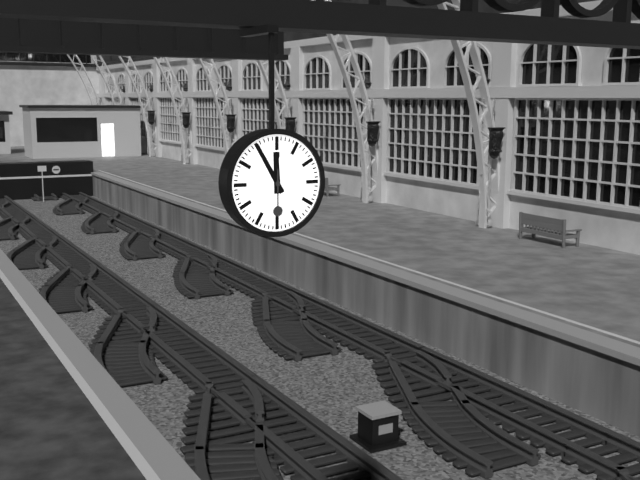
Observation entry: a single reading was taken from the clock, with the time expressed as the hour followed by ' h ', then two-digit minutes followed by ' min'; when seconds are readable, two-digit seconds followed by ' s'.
11 h 55 min
